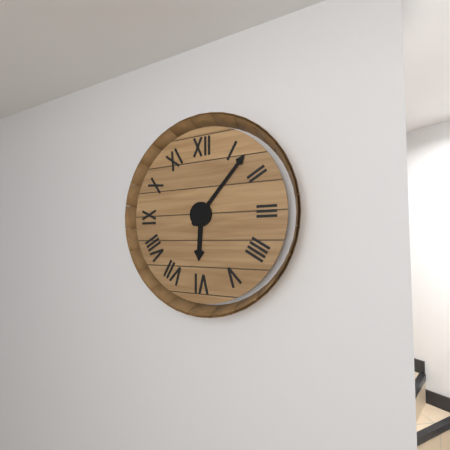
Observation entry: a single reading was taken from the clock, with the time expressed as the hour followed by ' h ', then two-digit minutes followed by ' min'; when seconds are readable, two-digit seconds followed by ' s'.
6 h 07 min
